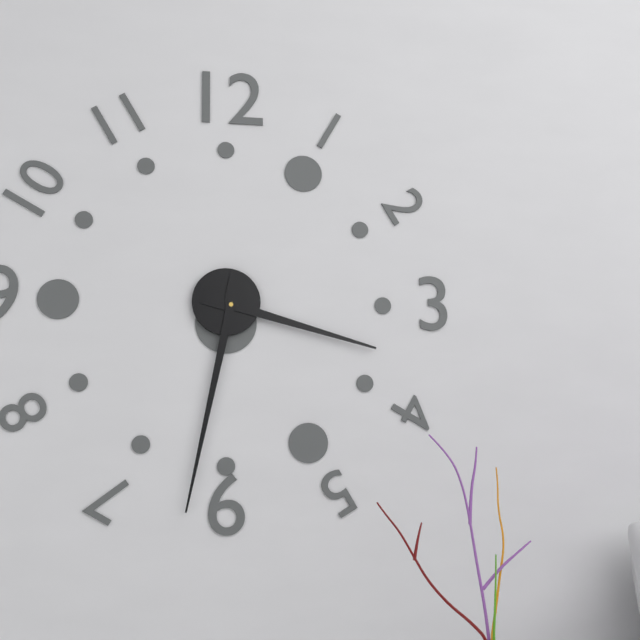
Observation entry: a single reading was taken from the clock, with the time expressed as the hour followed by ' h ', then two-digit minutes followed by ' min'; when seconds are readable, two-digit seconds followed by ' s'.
3 h 32 min
